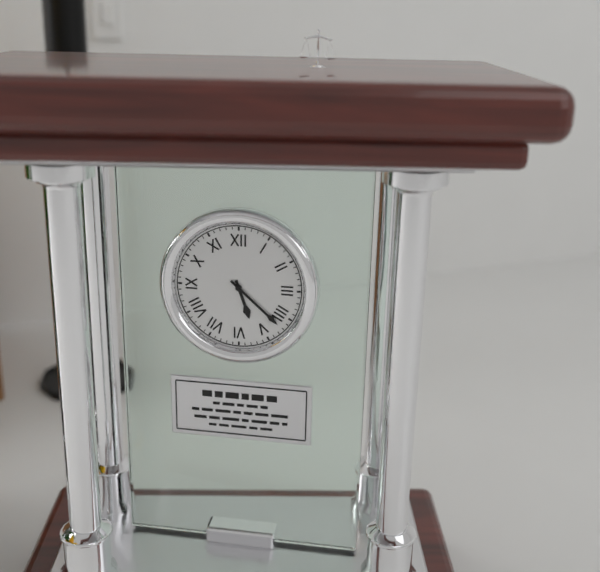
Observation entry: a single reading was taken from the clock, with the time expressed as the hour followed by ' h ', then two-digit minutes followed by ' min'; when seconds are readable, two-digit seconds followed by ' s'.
5 h 22 min
